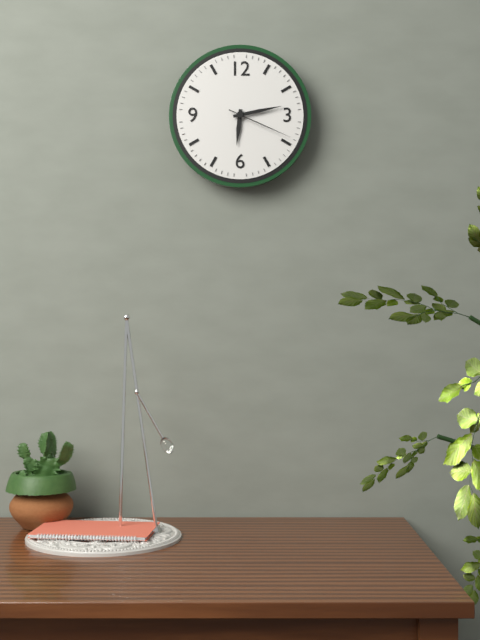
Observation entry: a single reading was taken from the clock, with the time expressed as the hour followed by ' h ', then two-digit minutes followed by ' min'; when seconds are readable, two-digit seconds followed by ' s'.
6 h 13 min 19 s
